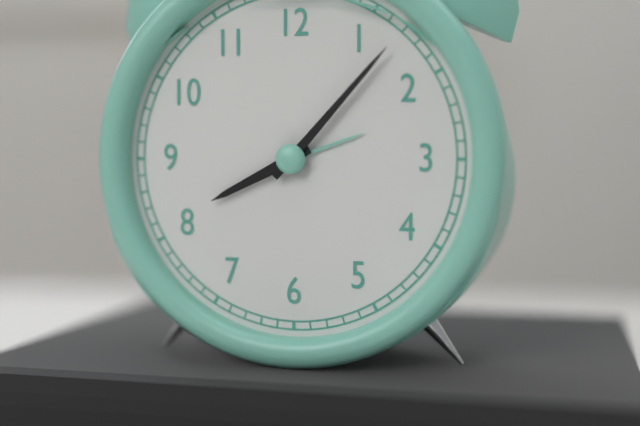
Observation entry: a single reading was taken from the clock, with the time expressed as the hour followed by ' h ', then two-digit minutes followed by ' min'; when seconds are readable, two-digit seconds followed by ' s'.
8 h 07 min
